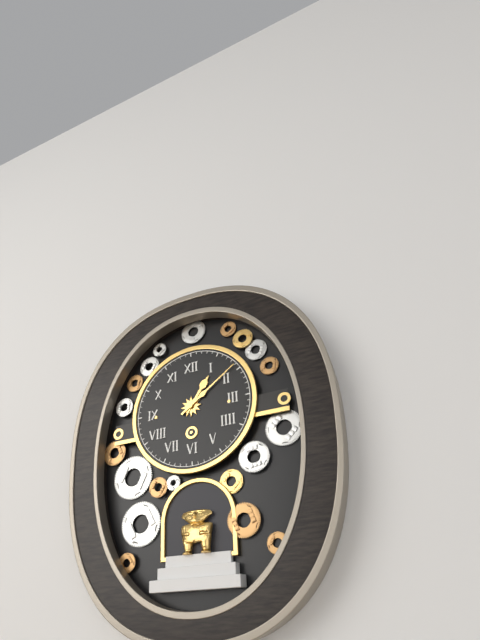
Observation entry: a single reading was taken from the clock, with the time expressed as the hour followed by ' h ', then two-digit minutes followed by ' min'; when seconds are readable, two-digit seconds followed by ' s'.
1 h 09 min
